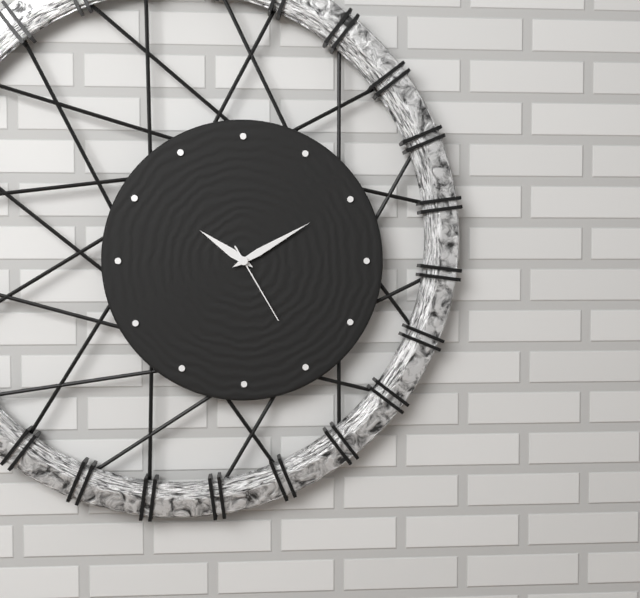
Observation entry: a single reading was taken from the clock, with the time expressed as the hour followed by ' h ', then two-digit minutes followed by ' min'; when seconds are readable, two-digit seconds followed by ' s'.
10 h 10 min 25 s
